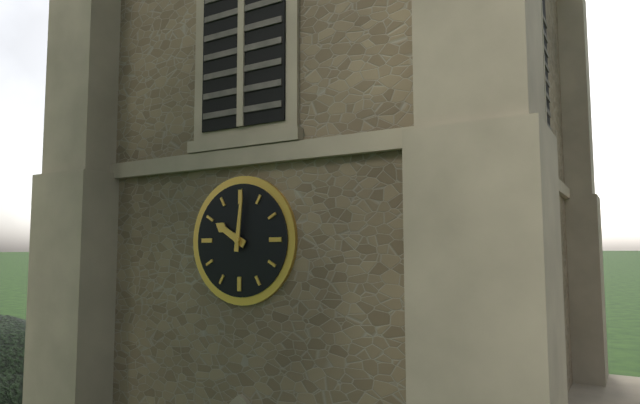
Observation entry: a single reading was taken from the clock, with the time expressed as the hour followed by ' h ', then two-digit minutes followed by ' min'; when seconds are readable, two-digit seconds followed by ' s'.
10 h 01 min
